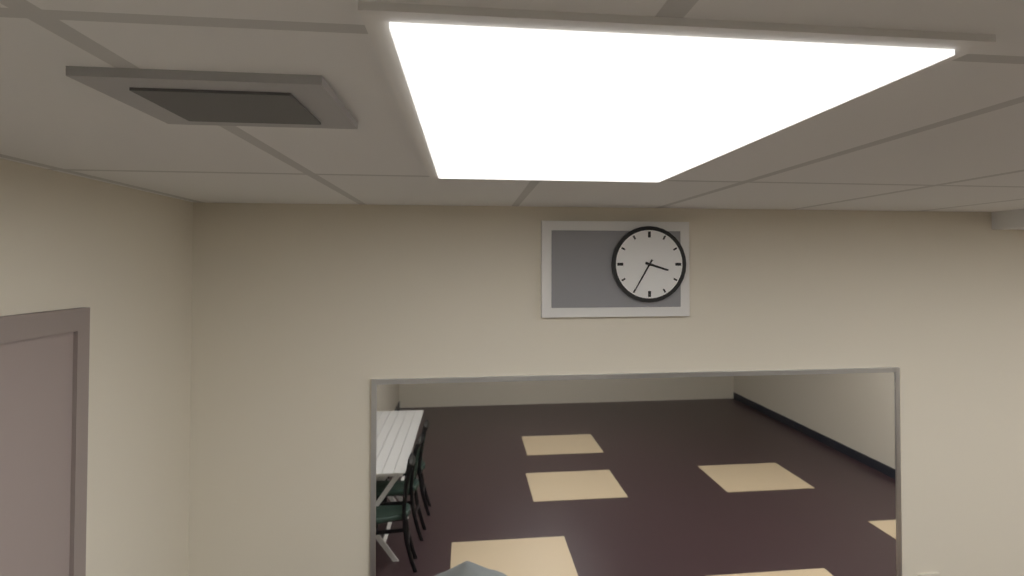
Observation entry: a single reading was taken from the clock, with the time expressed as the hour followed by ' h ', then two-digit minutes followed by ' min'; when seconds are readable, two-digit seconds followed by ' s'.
3 h 35 min
